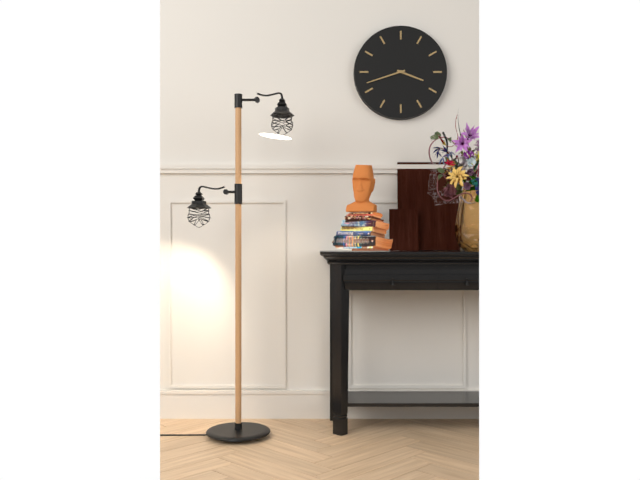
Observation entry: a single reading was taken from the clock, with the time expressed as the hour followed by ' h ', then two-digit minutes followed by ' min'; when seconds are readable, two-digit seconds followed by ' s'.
3 h 42 min
